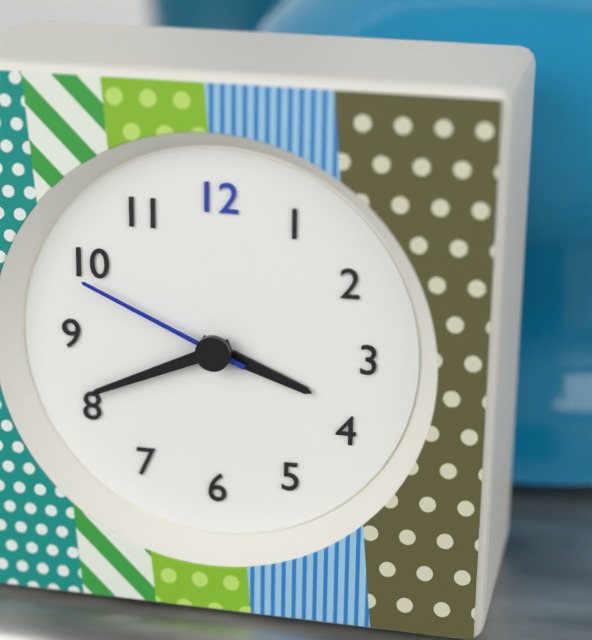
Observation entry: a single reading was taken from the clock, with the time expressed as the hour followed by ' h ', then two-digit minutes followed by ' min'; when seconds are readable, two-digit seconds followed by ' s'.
3 h 41 min 49 s
